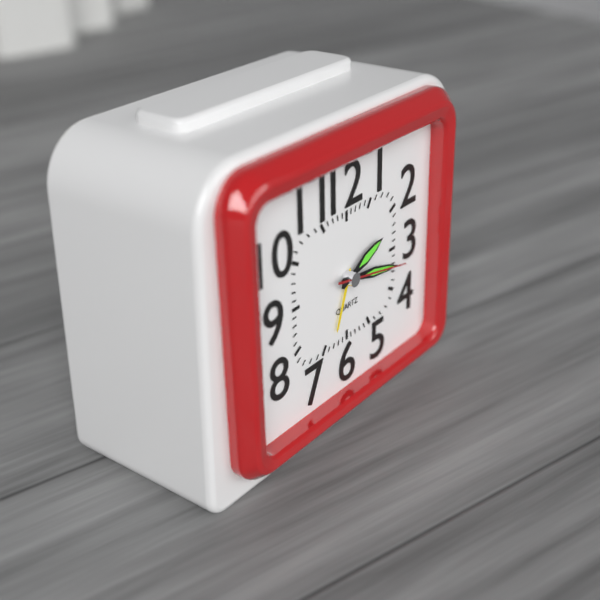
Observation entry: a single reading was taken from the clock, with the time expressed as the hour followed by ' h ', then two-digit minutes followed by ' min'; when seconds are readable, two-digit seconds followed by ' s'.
2 h 17 min 17 s
